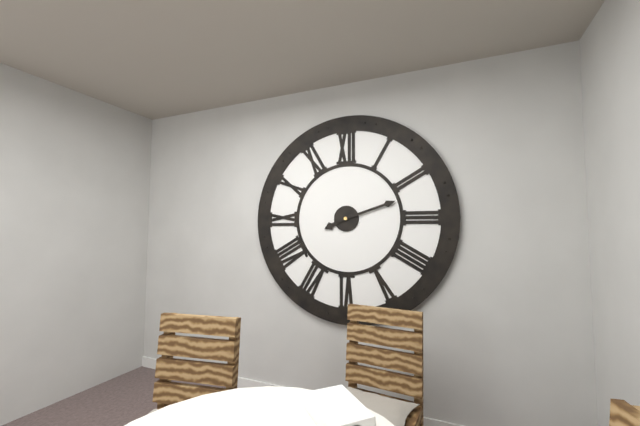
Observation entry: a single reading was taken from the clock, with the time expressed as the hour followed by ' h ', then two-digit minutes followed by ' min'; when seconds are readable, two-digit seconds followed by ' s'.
8 h 12 min
